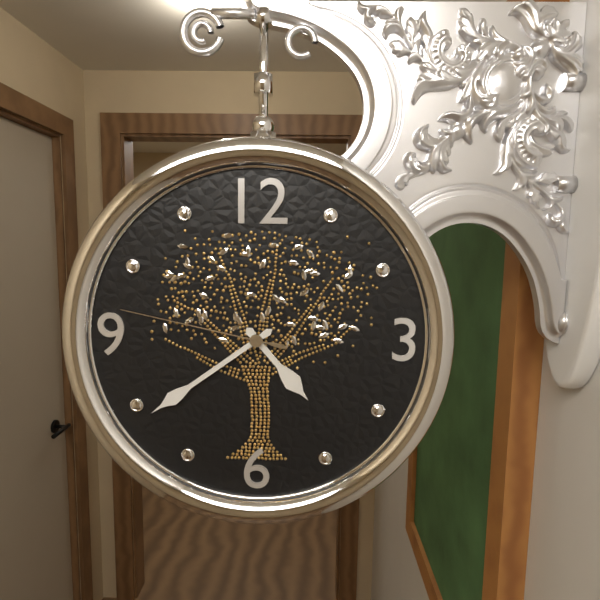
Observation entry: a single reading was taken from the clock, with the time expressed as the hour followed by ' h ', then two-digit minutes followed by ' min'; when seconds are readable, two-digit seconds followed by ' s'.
4 h 39 min 47 s
